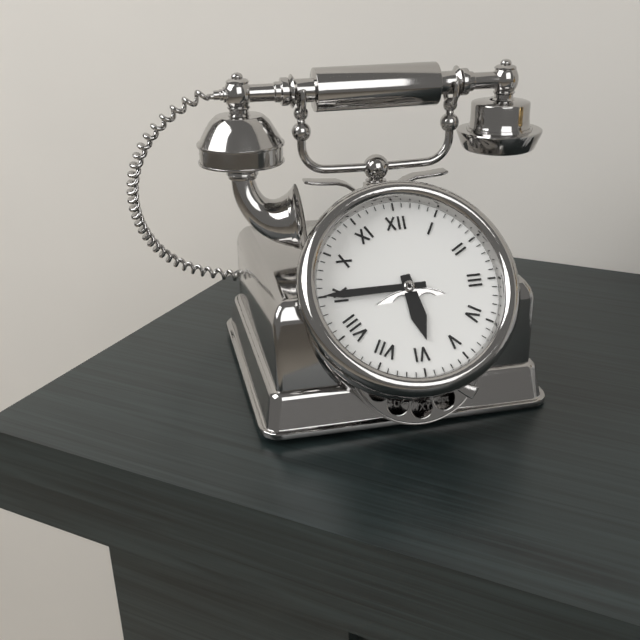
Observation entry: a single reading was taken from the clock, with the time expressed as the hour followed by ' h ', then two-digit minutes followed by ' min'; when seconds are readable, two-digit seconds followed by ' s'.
5 h 45 min
